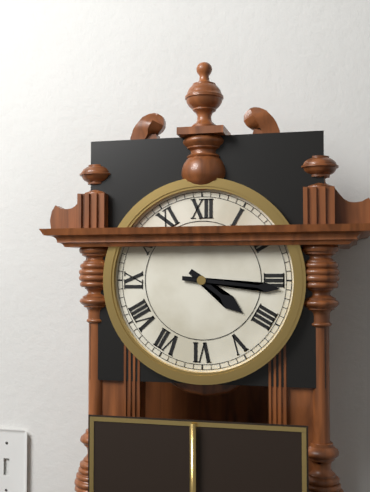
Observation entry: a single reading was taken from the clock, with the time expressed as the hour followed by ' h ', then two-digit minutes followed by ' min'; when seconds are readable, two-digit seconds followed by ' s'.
4 h 16 min
